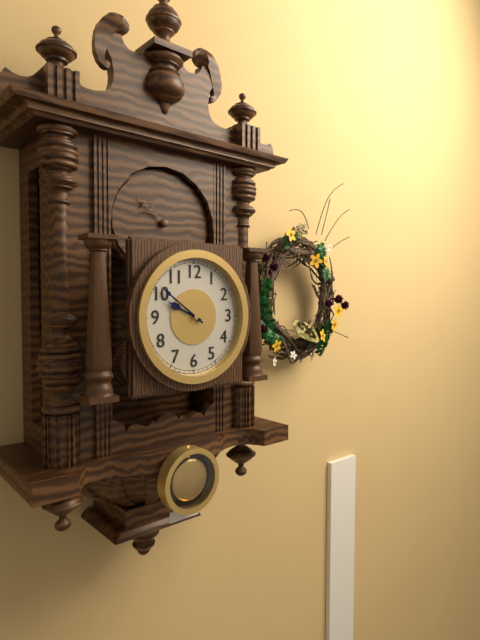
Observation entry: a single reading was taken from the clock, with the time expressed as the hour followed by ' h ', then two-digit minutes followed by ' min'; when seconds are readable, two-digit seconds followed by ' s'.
9 h 51 min
